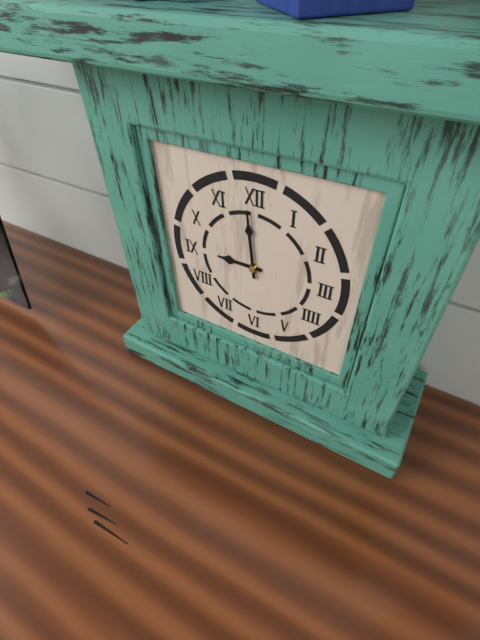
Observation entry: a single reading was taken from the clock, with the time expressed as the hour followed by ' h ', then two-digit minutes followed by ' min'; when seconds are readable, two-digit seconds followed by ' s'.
8 h 59 min
